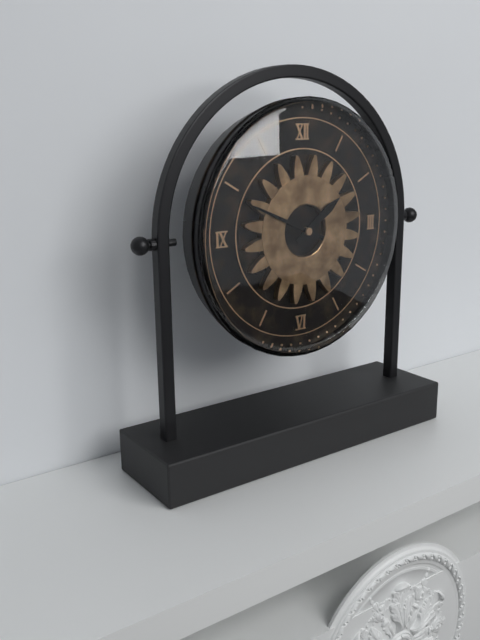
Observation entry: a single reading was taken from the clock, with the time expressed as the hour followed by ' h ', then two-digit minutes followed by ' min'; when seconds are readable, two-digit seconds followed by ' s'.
1 h 49 min
